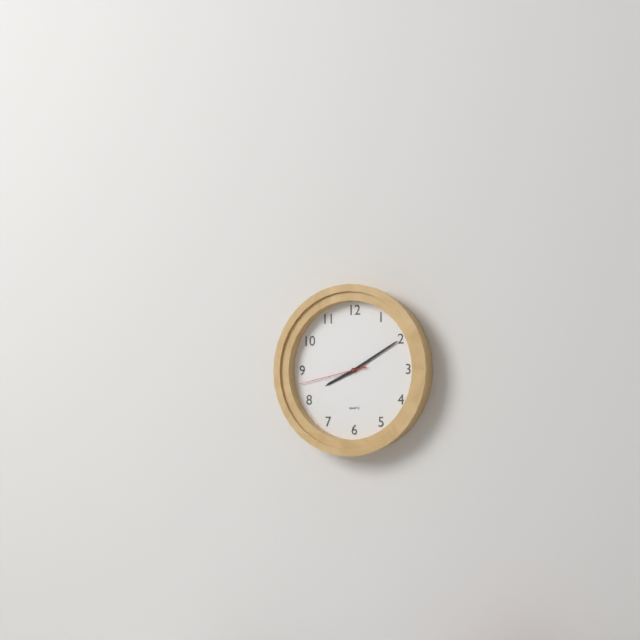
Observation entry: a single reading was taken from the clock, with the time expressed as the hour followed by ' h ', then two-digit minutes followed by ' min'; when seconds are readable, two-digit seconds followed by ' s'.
8 h 10 min 43 s
